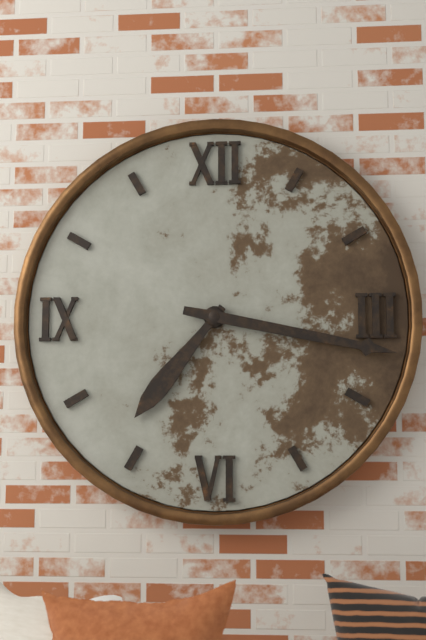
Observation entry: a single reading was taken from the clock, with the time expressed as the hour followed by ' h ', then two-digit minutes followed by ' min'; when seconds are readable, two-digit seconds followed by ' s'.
7 h 17 min
